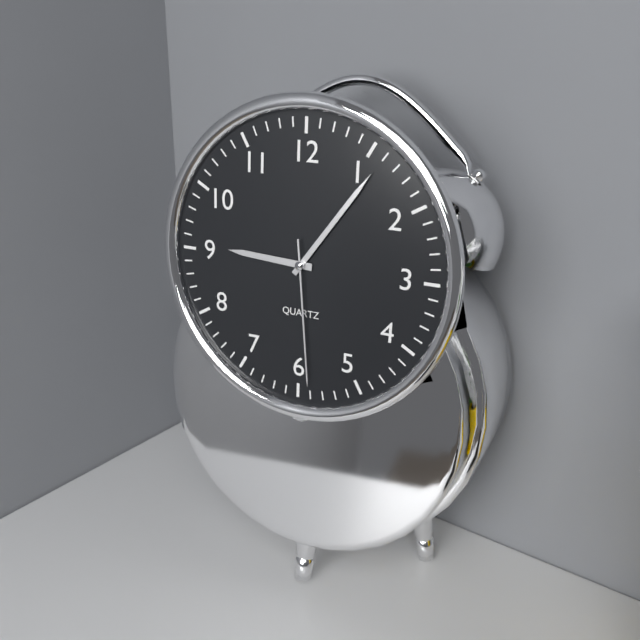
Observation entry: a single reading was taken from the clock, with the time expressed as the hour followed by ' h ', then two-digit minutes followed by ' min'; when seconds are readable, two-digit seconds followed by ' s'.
9 h 06 min 29 s
